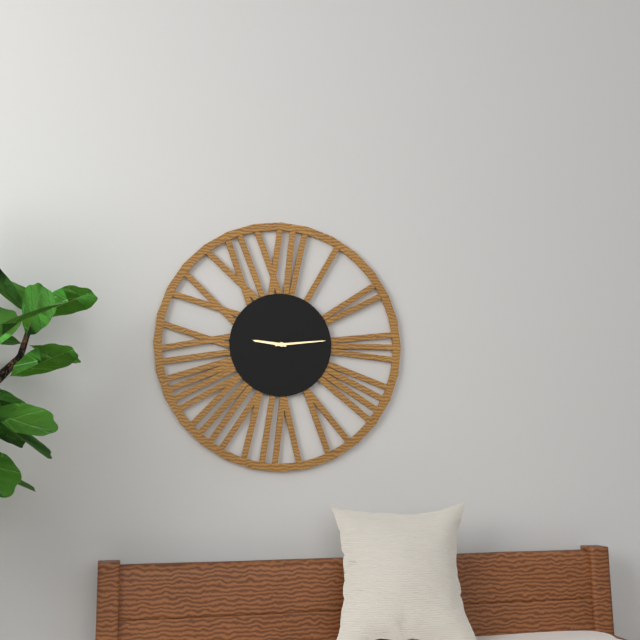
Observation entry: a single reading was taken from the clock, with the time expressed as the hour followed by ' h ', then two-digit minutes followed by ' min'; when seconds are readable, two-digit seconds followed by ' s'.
9 h 14 min
